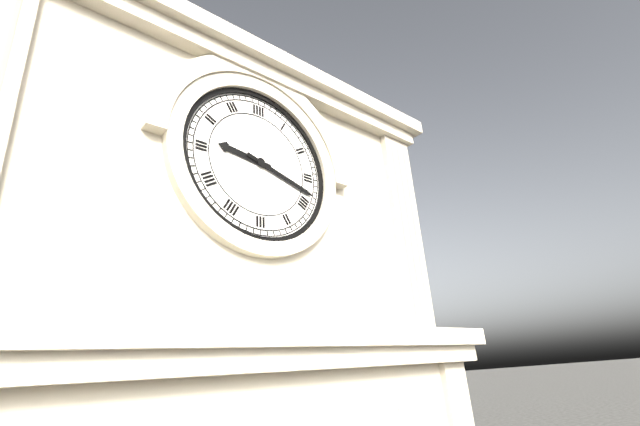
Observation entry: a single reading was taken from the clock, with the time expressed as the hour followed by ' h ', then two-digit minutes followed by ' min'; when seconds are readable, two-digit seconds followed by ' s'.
9 h 18 min
